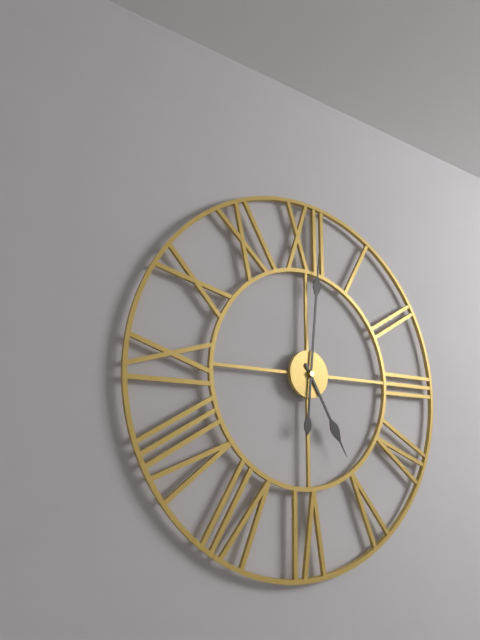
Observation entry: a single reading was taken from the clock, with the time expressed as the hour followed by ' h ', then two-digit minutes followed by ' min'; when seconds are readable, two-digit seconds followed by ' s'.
5 h 01 min
